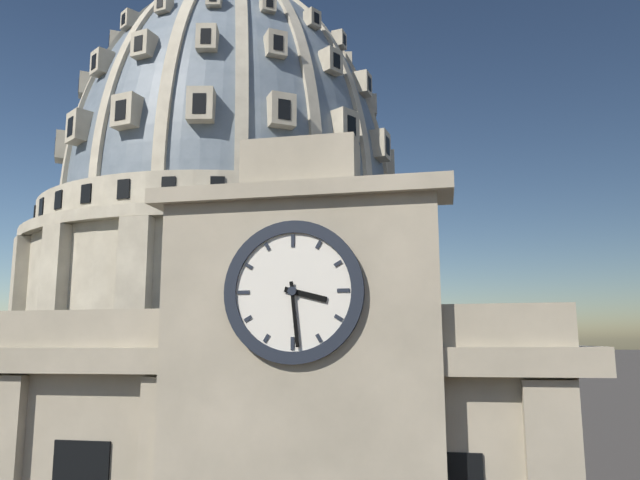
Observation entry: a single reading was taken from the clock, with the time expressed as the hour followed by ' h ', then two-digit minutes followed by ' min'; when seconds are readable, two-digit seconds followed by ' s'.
3 h 29 min
